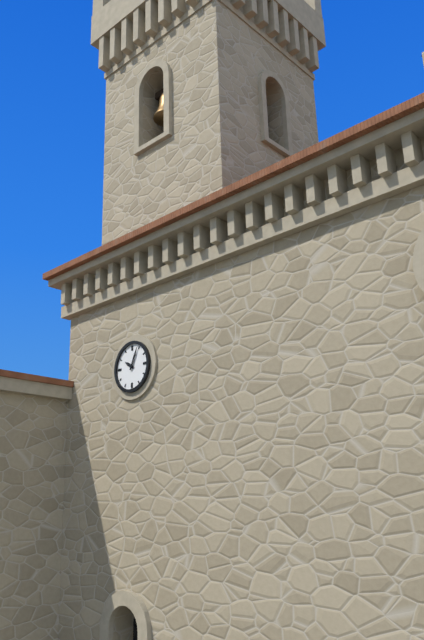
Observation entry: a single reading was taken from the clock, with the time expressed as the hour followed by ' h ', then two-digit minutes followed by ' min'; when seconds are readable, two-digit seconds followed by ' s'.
10 h 04 min
